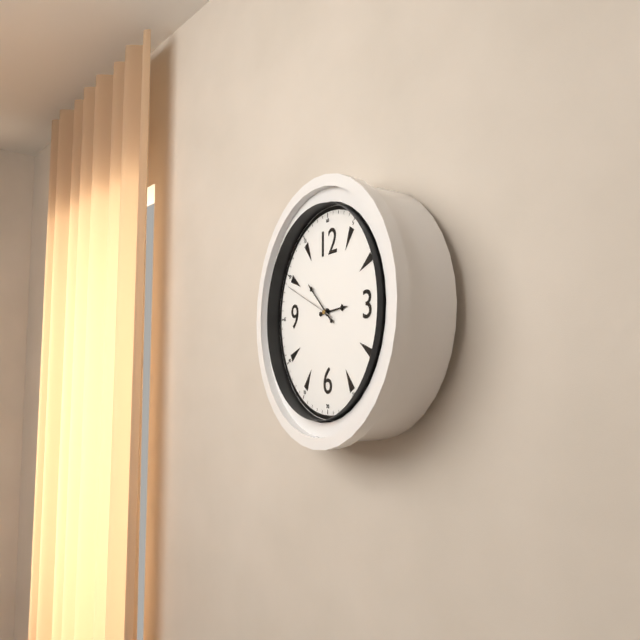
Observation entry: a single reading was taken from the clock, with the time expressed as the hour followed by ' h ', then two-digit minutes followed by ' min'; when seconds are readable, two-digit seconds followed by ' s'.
2 h 52 min 49 s
